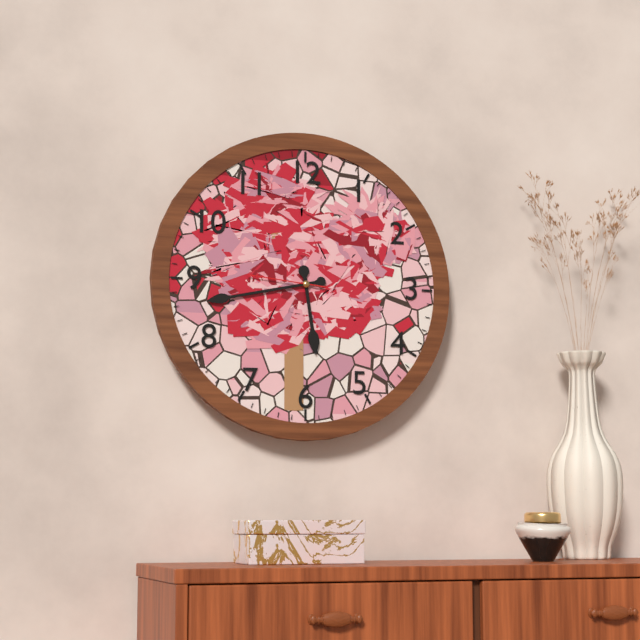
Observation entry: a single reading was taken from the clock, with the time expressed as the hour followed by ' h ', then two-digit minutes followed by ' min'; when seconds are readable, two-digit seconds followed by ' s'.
5 h 43 min 46 s
